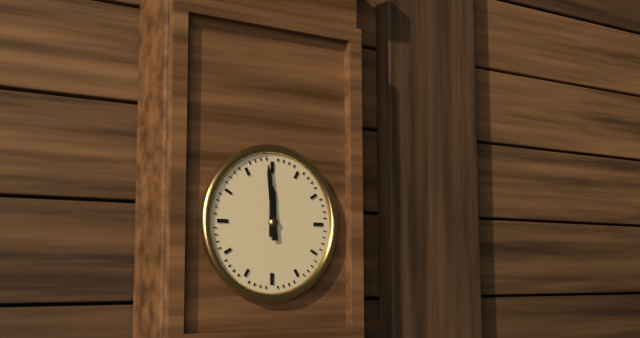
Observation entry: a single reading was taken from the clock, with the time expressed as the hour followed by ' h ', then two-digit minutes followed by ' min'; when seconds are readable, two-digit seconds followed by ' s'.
11 h 59 min
